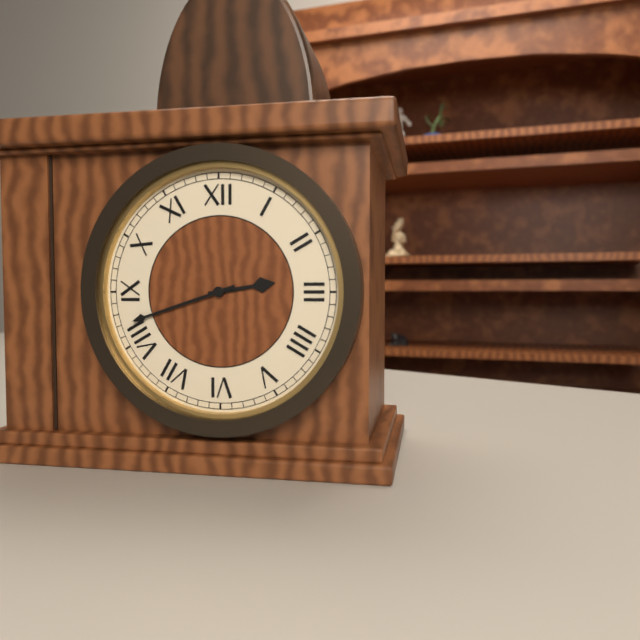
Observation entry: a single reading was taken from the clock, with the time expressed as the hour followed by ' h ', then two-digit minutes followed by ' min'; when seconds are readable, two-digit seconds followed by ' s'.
2 h 42 min
